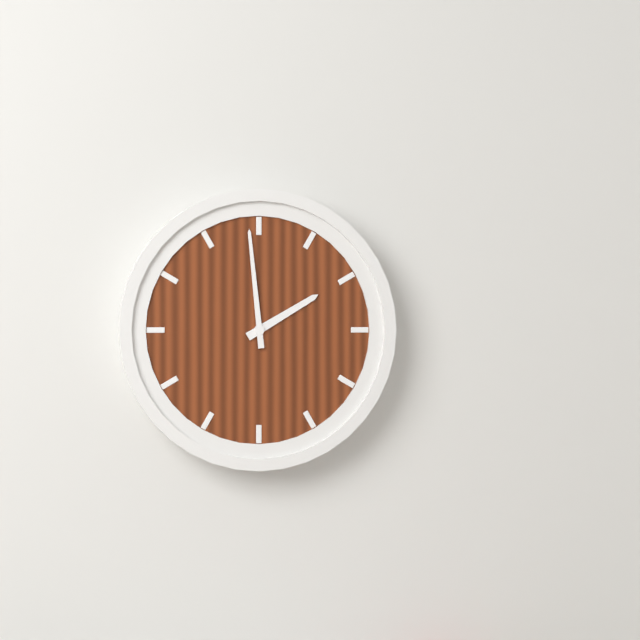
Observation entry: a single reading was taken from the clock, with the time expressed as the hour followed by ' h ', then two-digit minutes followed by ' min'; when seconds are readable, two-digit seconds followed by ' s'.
1 h 59 min
